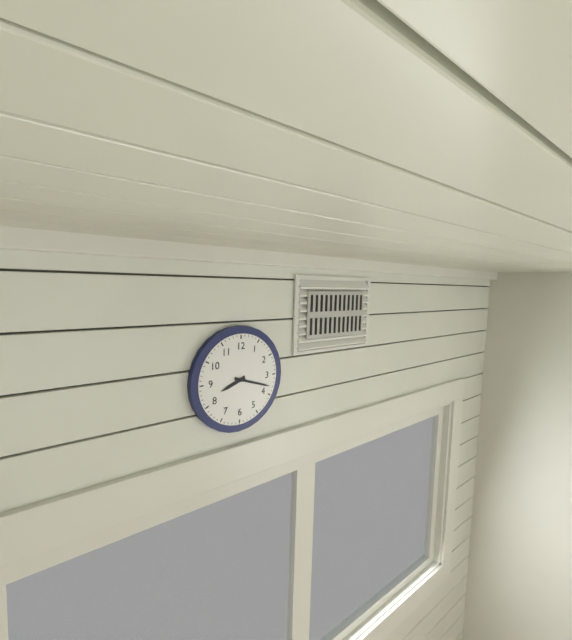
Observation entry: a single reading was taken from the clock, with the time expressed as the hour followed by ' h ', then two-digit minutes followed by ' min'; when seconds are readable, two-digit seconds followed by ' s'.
8 h 18 min
